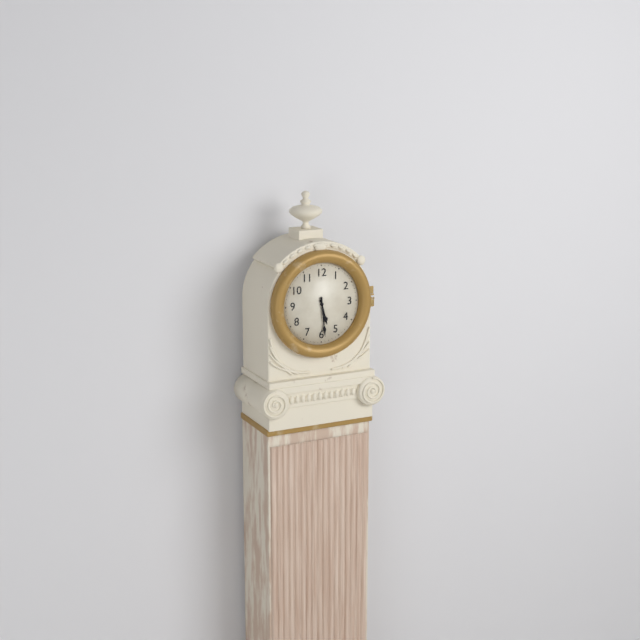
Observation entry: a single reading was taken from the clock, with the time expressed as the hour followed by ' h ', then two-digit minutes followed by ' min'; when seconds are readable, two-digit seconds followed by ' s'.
5 h 29 min
